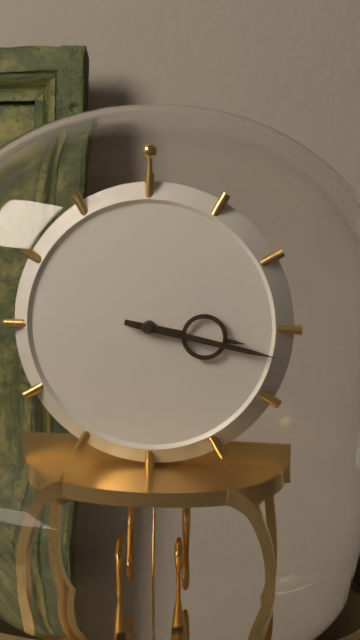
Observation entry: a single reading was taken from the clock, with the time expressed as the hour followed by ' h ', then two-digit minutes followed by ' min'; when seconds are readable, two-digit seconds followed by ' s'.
3 h 17 min
